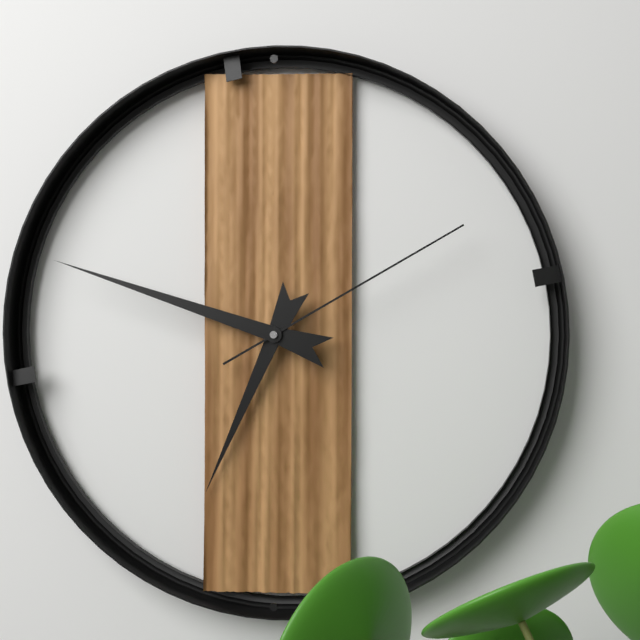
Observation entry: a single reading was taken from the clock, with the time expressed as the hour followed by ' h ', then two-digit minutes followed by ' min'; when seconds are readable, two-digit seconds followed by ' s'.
6 h 48 min 10 s
